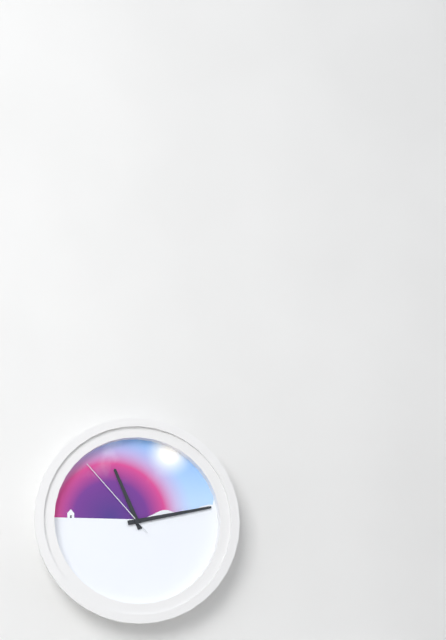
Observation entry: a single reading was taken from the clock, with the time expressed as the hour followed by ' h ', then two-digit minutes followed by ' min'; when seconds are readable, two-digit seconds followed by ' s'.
11 h 13 min 53 s
